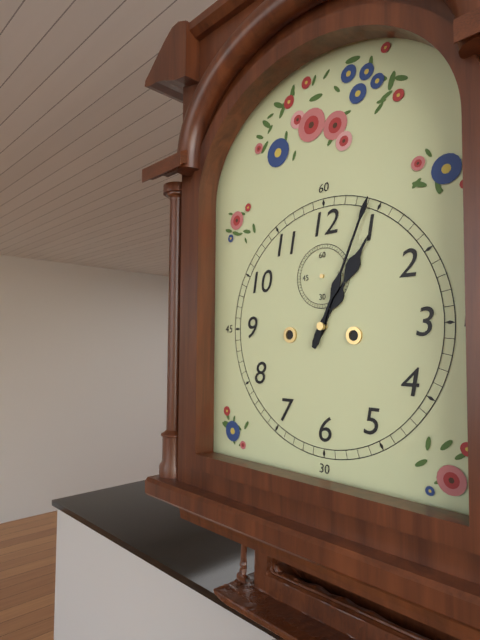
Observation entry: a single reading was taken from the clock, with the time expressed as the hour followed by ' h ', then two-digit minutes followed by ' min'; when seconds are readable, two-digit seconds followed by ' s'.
1 h 04 min
